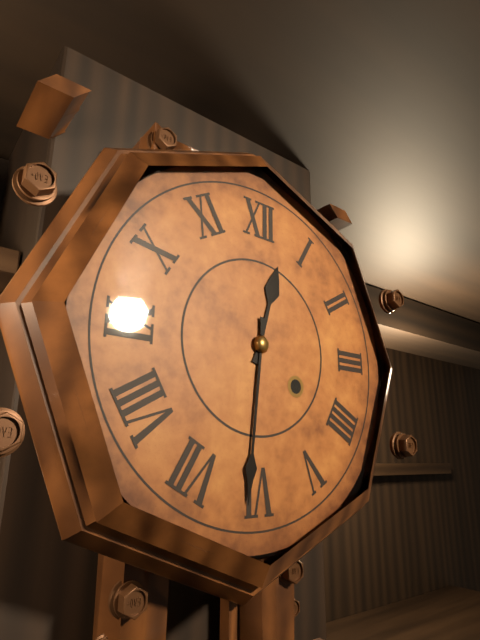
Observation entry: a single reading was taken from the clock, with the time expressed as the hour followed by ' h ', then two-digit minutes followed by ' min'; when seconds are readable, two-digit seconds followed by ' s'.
12 h 31 min
